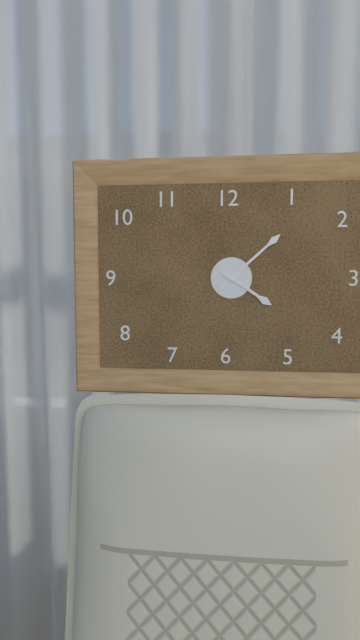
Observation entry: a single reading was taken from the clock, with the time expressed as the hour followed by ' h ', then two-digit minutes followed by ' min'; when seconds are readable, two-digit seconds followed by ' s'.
4 h 08 min
